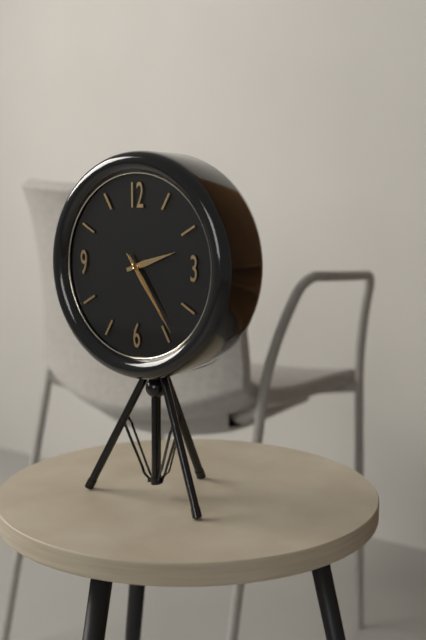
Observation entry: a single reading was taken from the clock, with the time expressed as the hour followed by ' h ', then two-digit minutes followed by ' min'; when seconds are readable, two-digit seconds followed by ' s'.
2 h 24 min 24 s
